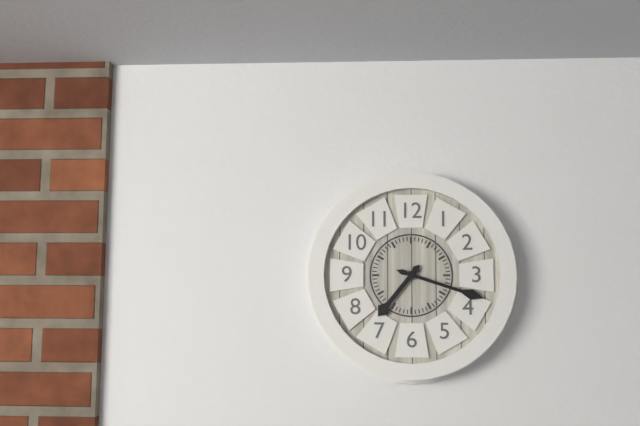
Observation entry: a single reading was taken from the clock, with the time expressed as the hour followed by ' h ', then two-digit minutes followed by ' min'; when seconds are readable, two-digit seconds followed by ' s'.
7 h 18 min
